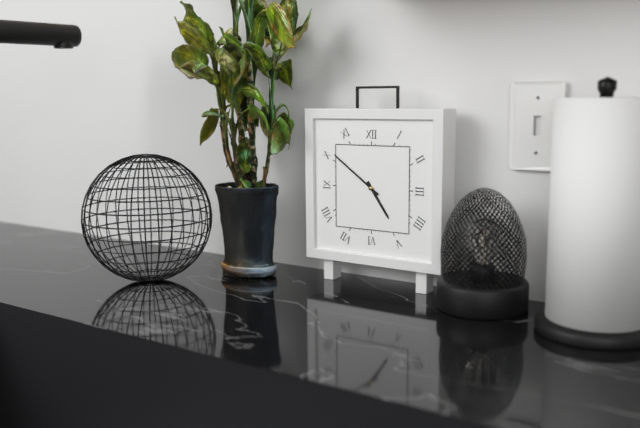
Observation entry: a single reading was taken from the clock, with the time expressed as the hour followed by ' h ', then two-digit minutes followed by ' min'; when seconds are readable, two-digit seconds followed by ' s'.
4 h 51 min
